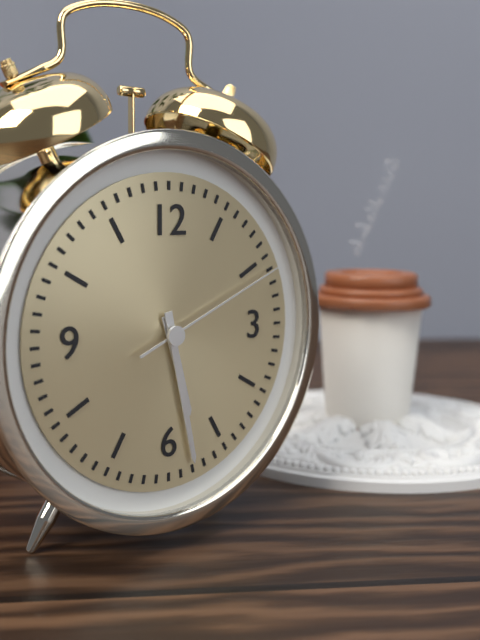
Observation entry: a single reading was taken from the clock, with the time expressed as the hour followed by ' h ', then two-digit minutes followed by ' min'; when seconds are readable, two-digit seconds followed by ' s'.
5 h 28 min 11 s
